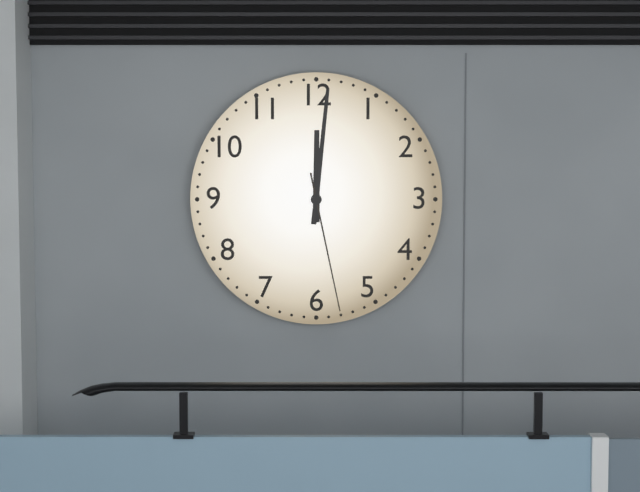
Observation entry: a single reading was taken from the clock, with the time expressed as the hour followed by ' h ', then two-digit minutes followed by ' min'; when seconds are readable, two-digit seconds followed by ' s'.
12 h 01 min 28 s
